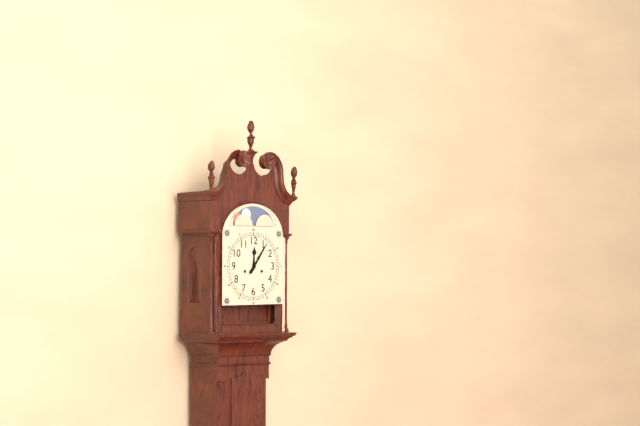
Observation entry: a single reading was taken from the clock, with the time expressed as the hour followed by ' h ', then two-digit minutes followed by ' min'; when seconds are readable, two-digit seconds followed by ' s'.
12 h 06 min
